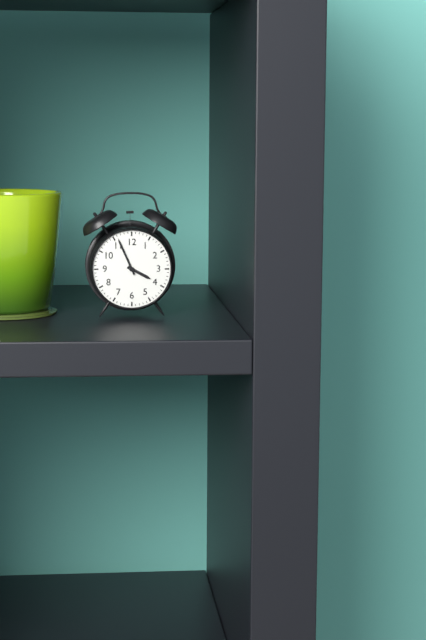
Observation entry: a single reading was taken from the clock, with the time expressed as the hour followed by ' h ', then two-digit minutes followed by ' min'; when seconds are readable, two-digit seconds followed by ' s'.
3 h 56 min
